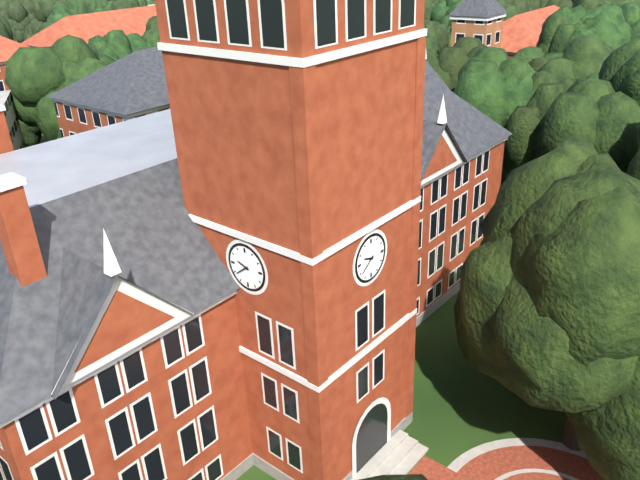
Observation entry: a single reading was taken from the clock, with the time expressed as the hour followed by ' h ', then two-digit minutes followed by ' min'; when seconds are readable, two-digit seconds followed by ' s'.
9 h 39 min
